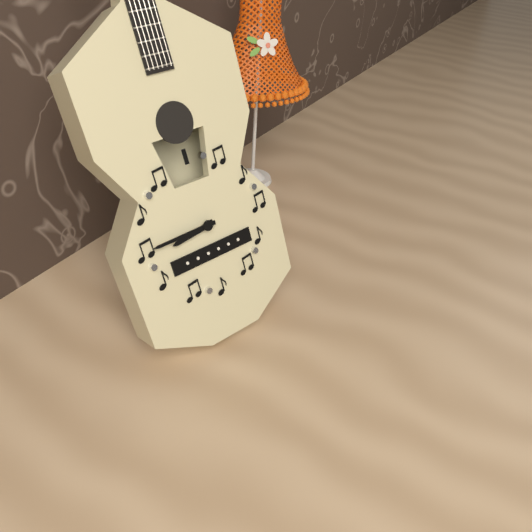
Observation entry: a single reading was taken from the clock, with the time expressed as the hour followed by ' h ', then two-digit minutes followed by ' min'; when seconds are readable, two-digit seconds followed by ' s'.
8 h 45 min
